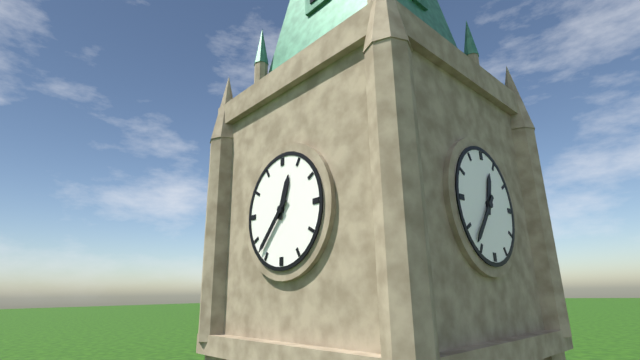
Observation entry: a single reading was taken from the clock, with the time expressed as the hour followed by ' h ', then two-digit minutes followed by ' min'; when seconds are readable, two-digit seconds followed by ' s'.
12 h 37 min
